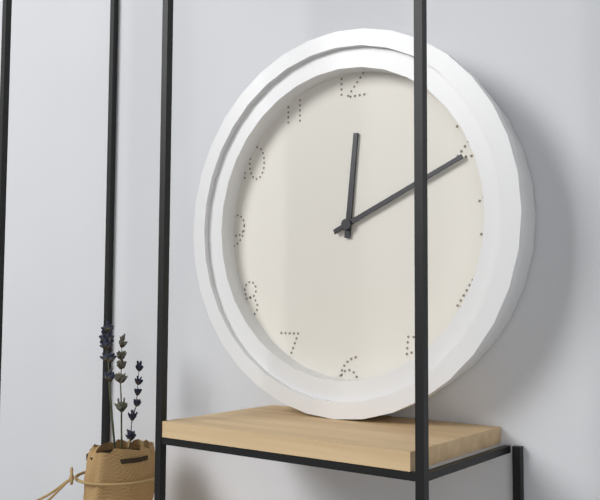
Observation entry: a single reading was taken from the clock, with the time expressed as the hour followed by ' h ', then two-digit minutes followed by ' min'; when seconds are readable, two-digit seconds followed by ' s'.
12 h 11 min
